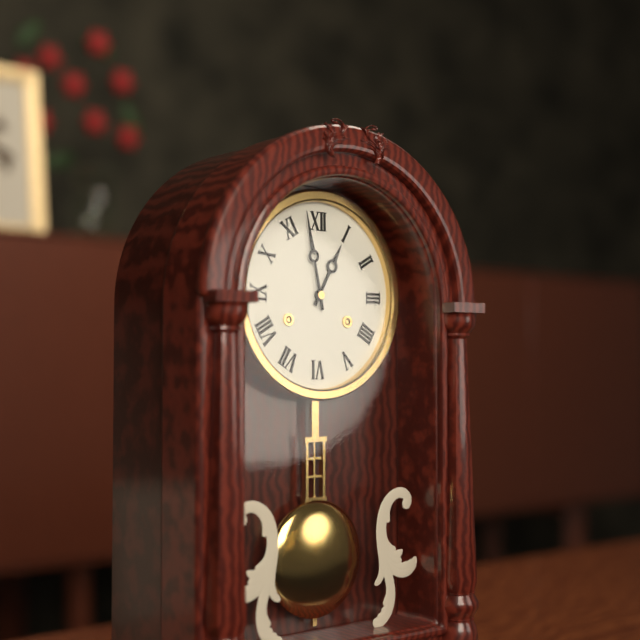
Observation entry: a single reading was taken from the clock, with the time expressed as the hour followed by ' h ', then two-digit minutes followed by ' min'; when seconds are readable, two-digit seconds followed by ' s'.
12 h 58 min
